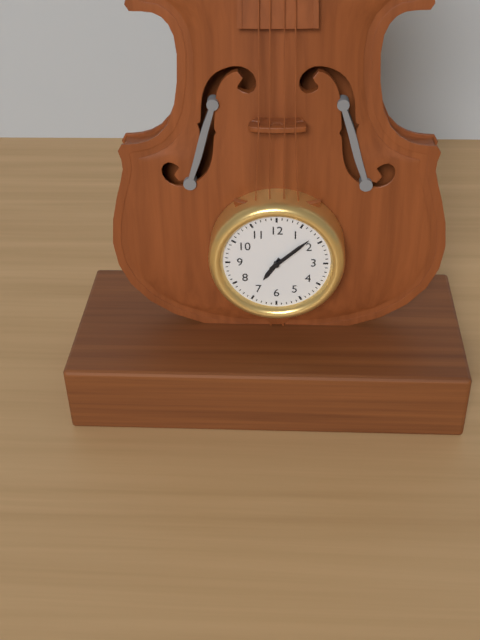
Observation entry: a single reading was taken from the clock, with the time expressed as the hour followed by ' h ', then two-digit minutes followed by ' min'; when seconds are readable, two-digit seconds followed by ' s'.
7 h 08 min
